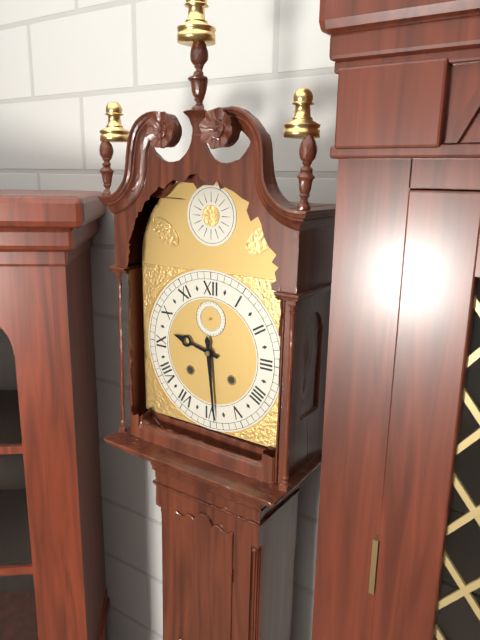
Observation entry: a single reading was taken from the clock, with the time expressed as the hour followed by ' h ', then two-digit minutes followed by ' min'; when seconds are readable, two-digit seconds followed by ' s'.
9 h 29 min
